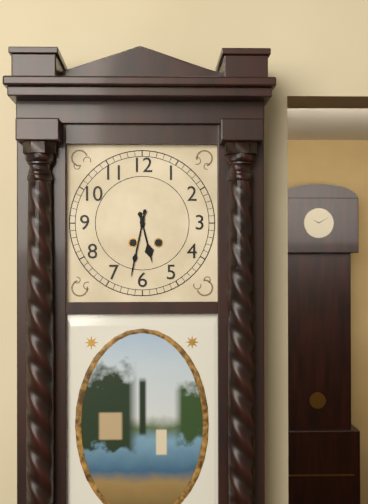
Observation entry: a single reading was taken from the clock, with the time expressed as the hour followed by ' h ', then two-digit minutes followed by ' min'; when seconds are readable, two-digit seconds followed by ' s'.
5 h 32 min
